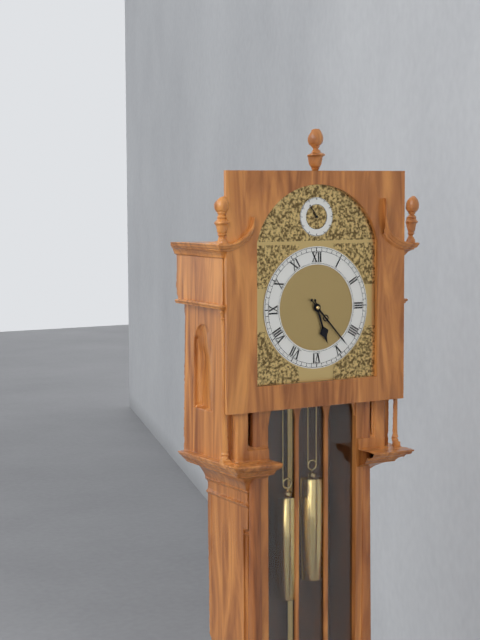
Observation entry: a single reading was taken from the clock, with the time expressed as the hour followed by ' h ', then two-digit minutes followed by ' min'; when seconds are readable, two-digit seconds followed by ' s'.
5 h 23 min
